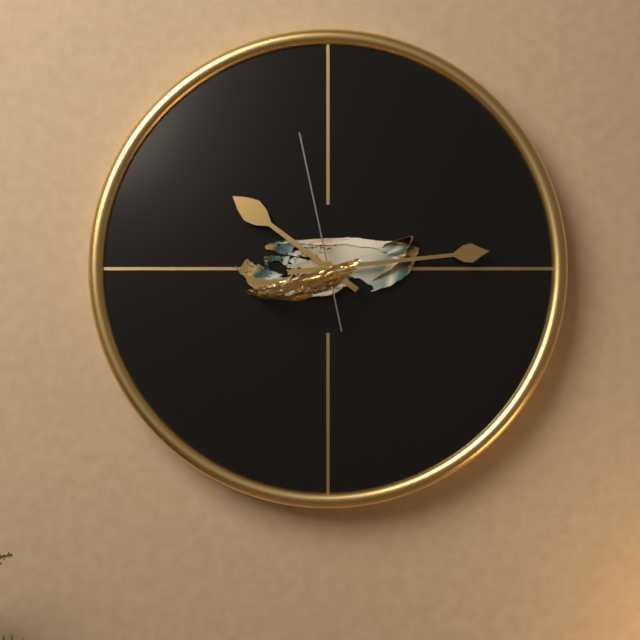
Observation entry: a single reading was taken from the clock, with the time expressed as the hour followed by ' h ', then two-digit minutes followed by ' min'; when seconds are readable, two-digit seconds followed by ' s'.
10 h 14 min 58 s
